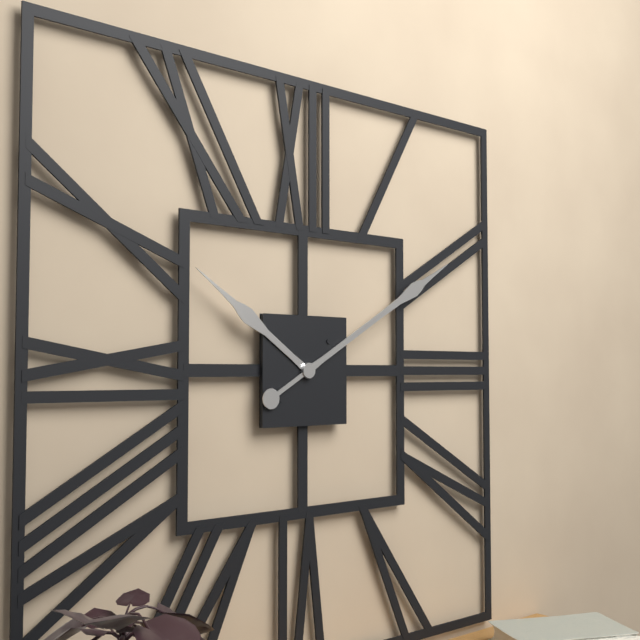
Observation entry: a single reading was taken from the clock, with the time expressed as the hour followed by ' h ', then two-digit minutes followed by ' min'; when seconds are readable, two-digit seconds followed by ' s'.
10 h 10 min
